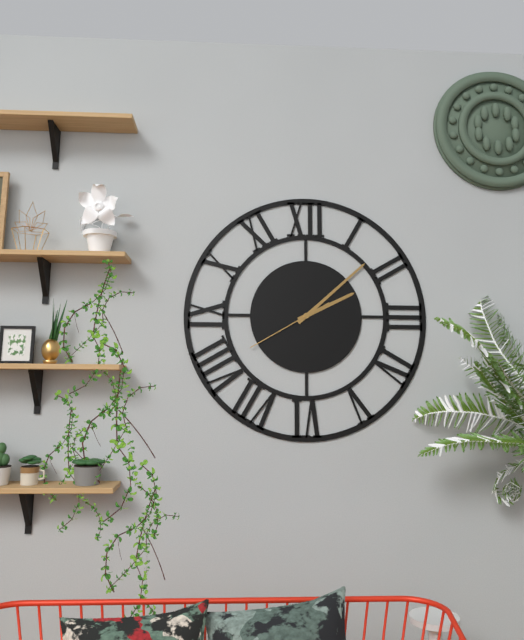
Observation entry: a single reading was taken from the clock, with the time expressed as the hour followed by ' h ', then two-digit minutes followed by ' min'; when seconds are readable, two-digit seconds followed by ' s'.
2 h 08 min 40 s
